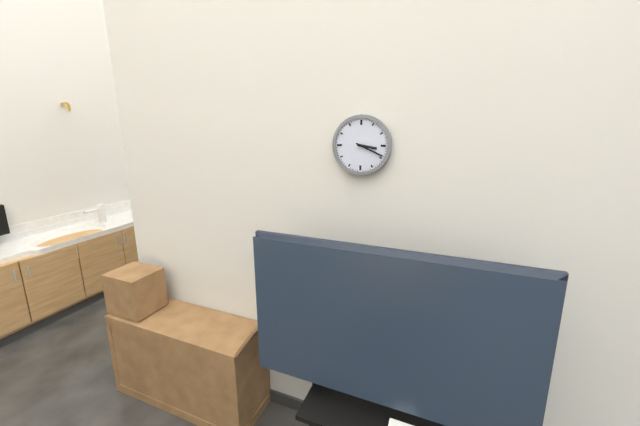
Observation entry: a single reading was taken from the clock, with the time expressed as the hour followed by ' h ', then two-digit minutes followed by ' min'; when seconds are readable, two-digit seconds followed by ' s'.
3 h 19 min
